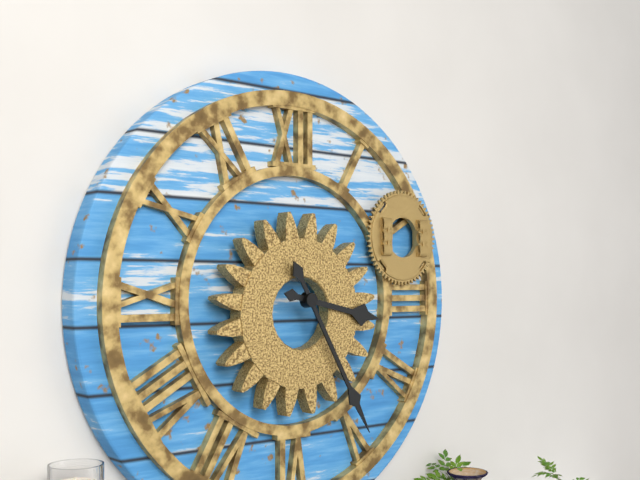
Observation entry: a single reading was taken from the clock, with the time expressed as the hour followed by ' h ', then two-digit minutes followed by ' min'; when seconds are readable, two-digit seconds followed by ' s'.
3 h 25 min
